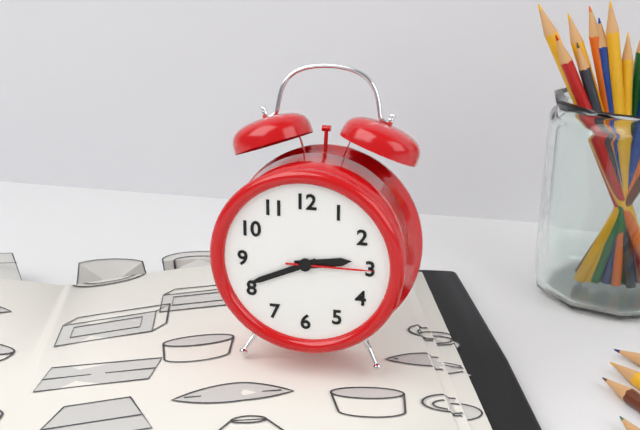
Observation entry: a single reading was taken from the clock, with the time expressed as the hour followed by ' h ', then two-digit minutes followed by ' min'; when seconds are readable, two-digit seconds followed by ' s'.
2 h 41 min 15 s
